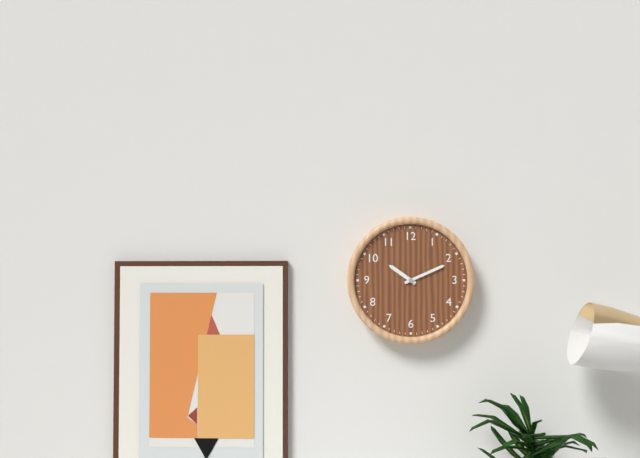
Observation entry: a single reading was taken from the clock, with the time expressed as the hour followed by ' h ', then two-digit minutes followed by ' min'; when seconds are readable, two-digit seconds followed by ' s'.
10 h 11 min
